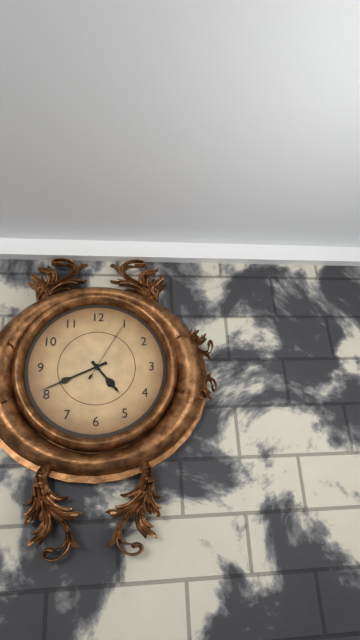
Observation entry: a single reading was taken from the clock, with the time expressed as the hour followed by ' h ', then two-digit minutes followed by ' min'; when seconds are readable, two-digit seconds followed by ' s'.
4 h 41 min 05 s
